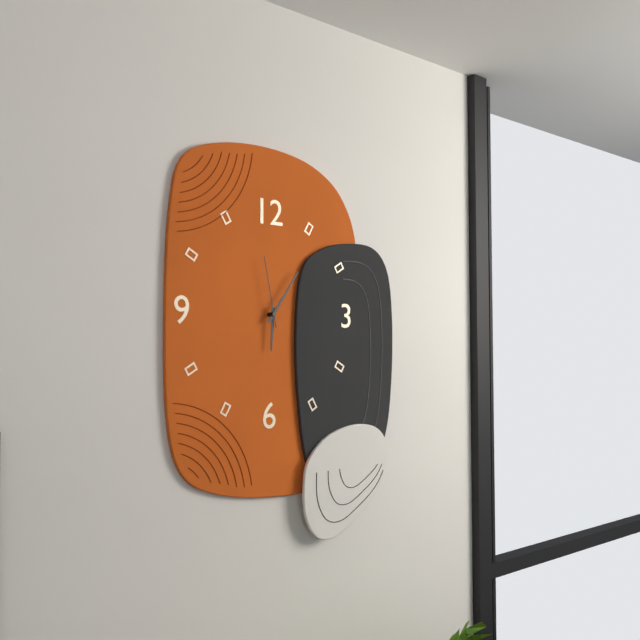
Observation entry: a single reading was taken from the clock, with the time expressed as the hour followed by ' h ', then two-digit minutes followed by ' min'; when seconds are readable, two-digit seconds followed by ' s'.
6 h 06 min 58 s
